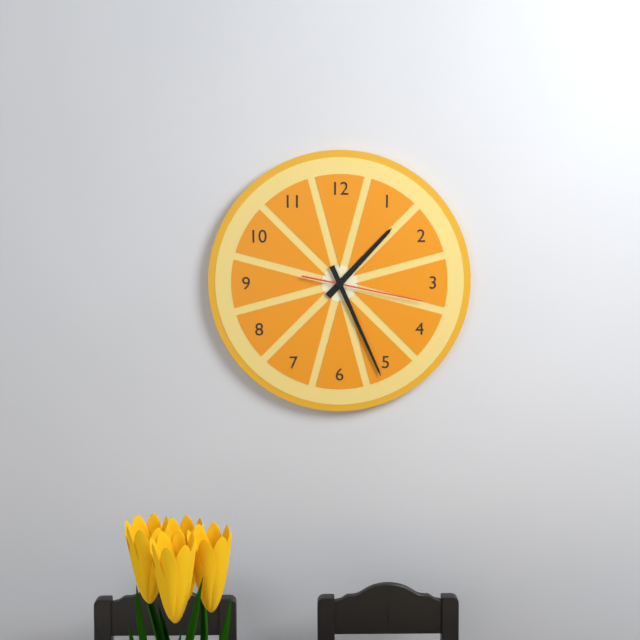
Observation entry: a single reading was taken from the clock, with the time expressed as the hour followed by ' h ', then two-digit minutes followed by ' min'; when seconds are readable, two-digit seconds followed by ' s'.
1 h 26 min 17 s
